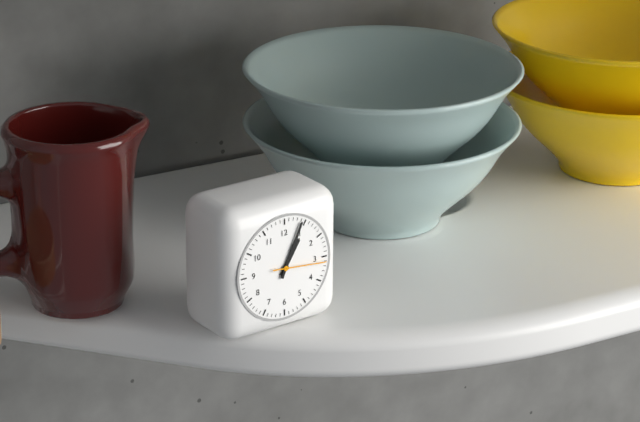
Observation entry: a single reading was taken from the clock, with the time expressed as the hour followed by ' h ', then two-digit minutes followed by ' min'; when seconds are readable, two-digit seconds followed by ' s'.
1 h 04 min 16 s
